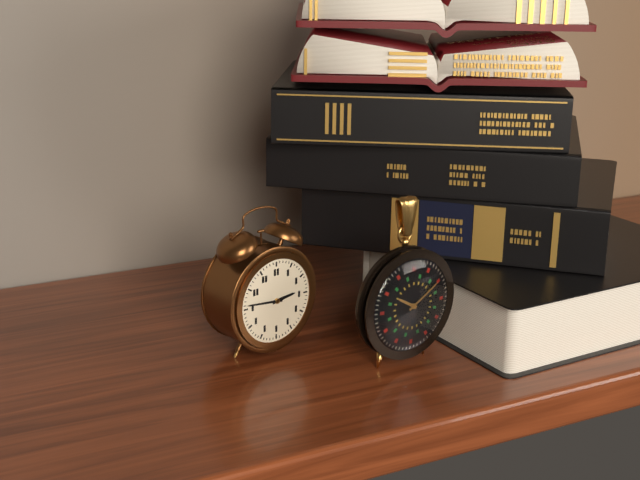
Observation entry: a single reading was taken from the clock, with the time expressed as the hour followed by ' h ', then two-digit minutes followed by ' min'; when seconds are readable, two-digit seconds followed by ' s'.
2 h 46 min
